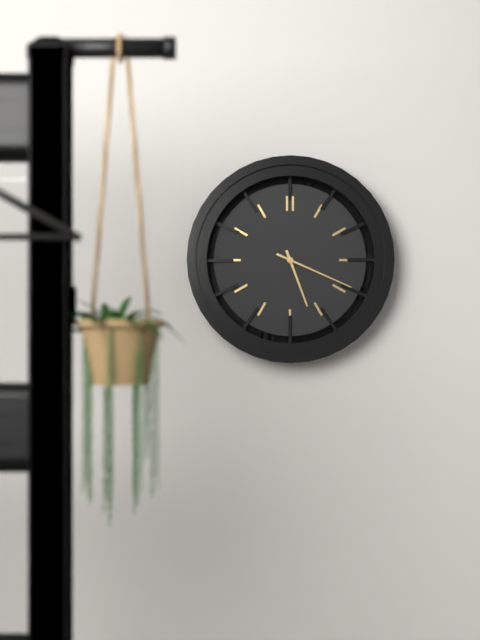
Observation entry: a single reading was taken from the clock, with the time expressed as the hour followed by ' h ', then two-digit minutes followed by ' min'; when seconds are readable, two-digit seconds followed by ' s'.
5 h 19 min
